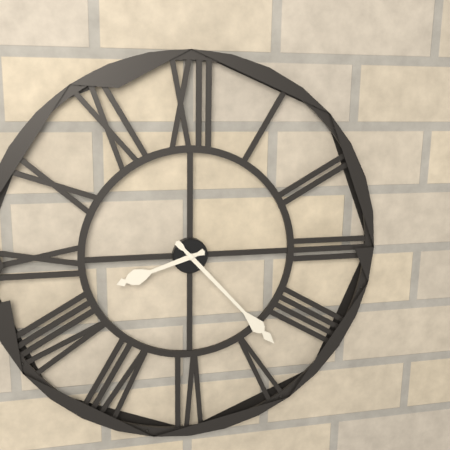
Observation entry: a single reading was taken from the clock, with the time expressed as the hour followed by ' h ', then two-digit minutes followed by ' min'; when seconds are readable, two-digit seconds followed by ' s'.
8 h 23 min
